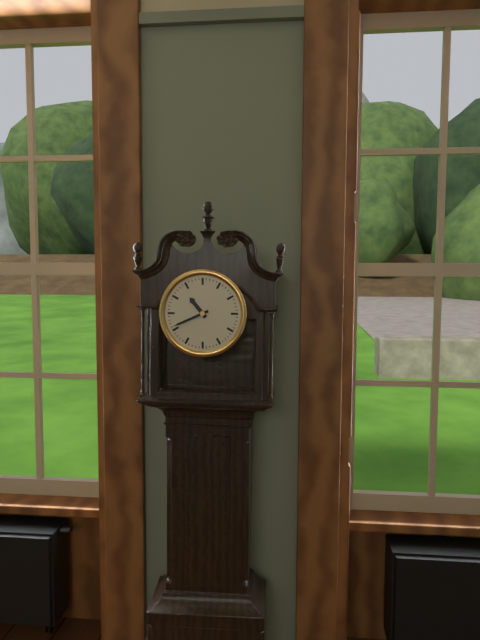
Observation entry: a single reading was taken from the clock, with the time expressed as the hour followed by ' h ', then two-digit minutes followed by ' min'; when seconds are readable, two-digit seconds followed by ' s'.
10 h 41 min
